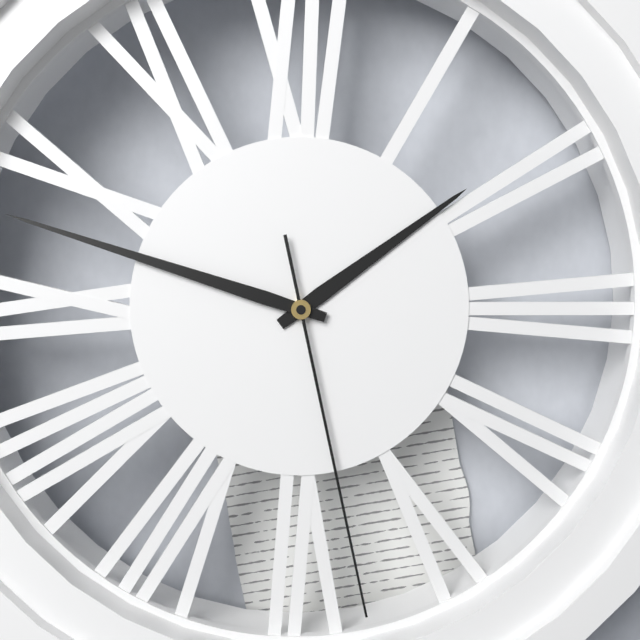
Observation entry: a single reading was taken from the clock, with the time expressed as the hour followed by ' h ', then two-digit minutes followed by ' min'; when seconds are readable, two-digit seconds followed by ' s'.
1 h 48 min 28 s
